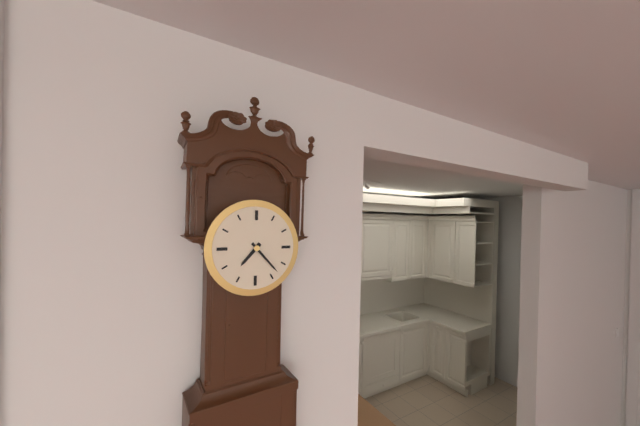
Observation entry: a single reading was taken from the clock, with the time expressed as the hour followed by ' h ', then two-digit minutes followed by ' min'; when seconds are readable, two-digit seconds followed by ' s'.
7 h 23 min
